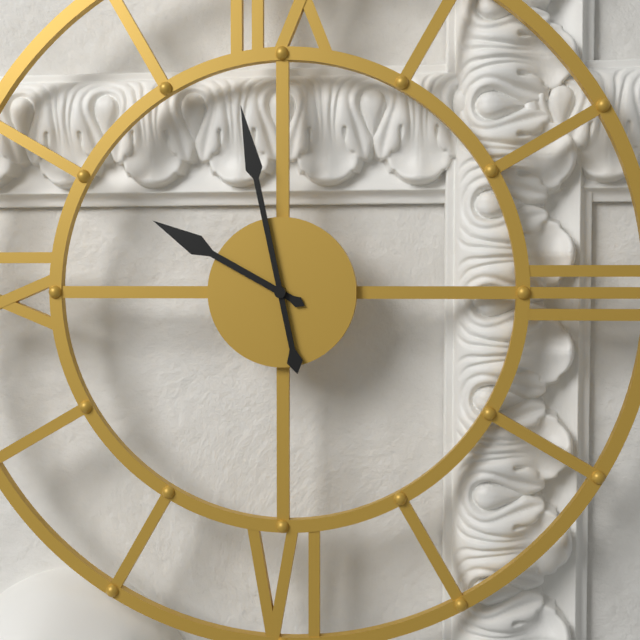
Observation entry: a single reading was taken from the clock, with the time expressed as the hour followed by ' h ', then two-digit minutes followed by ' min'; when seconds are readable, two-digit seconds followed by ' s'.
9 h 58 min
